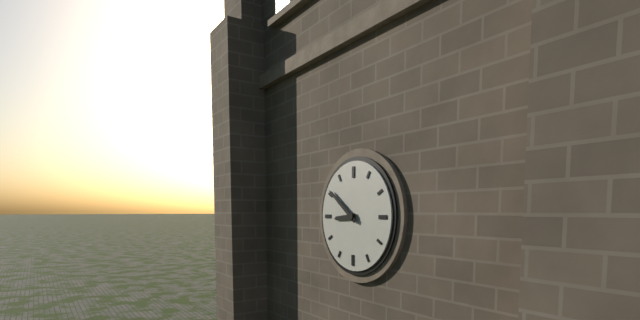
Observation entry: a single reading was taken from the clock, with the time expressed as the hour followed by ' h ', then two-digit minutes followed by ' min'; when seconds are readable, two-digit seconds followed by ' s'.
8 h 51 min
